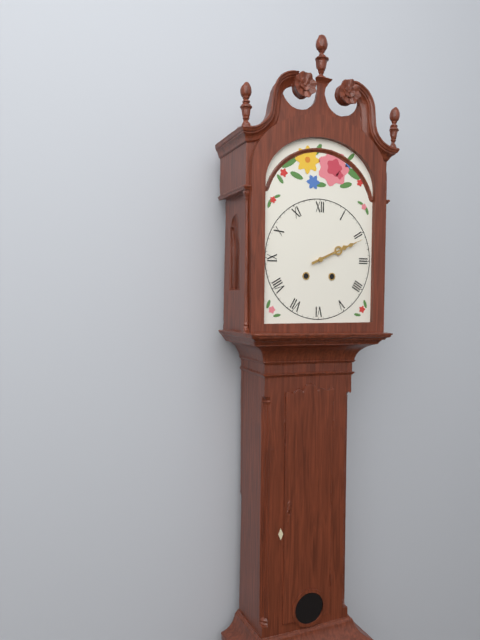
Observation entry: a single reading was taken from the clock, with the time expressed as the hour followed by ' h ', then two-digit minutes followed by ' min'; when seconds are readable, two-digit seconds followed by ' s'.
2 h 11 min
